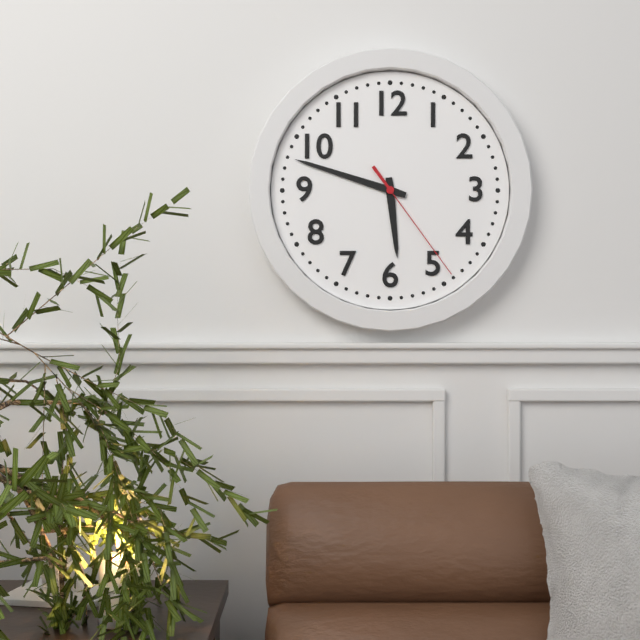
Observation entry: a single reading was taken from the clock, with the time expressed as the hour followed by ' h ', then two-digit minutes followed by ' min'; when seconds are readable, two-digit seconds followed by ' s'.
5 h 48 min 24 s
